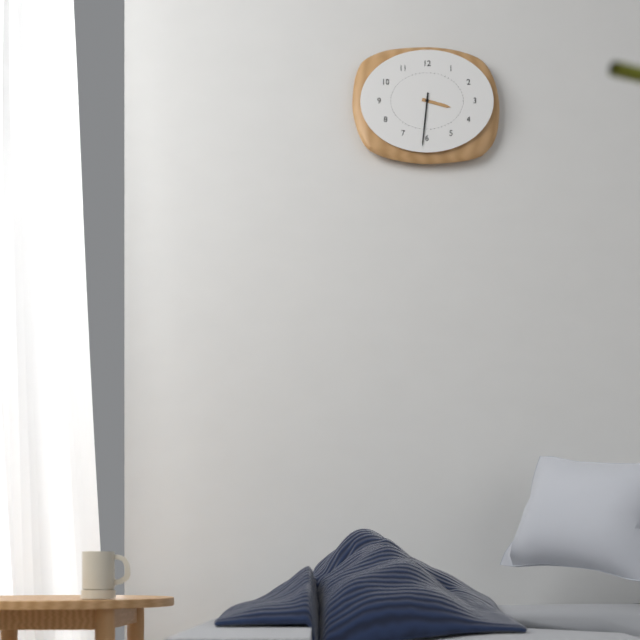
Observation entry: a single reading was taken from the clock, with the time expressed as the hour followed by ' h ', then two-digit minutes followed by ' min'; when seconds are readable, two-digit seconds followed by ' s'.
3 h 31 min
